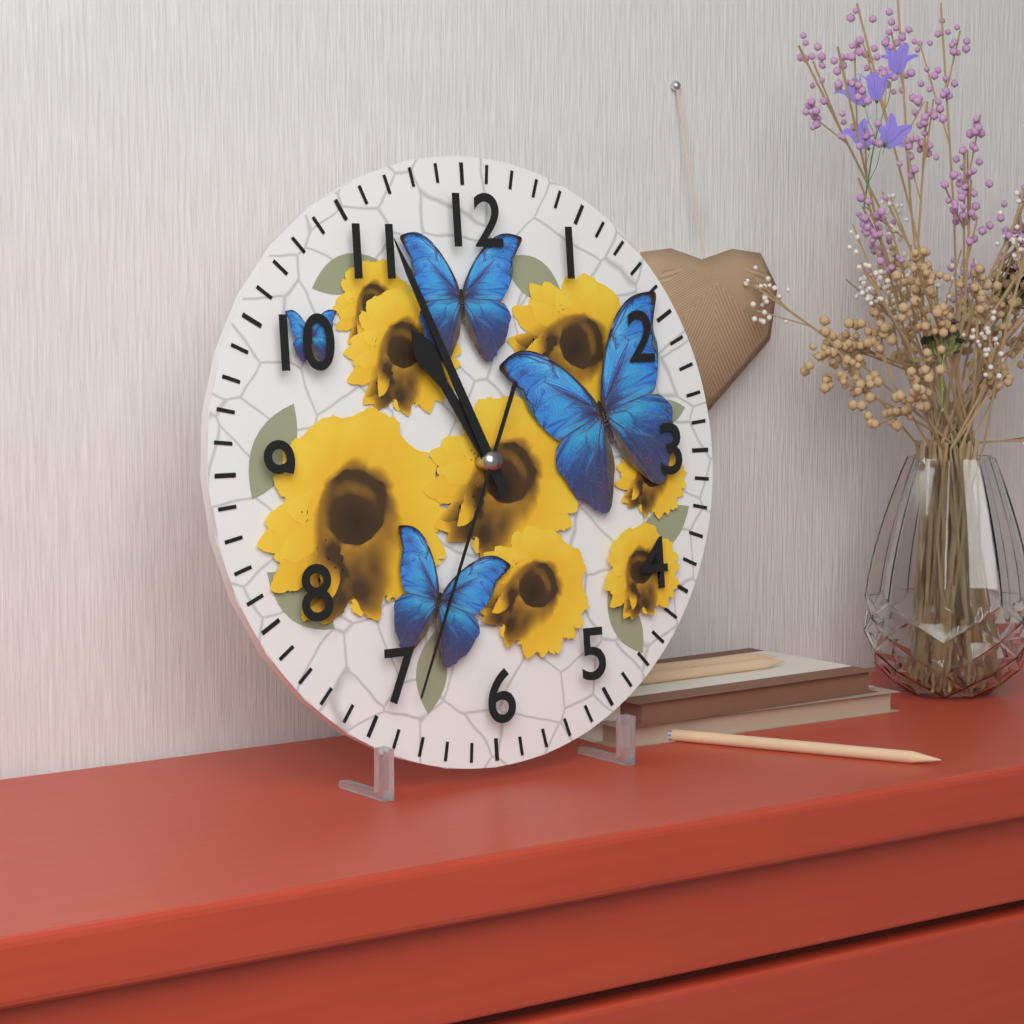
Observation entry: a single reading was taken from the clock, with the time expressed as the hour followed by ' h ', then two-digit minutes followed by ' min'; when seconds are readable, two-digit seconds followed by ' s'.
10 h 56 min 34 s
